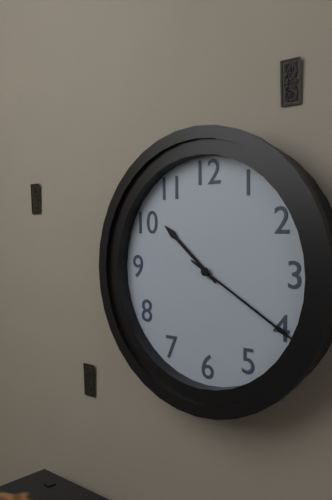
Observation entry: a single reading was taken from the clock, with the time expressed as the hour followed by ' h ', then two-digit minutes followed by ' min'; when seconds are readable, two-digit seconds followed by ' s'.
10 h 20 min
